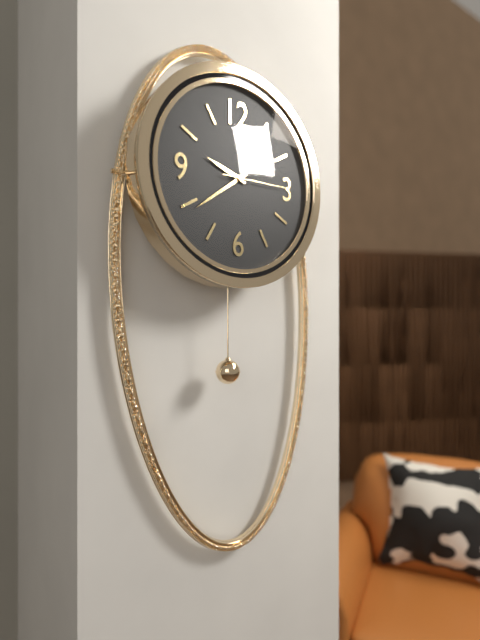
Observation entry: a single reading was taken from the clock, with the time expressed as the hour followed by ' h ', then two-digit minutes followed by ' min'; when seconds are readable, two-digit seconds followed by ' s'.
9 h 39 min 15 s
